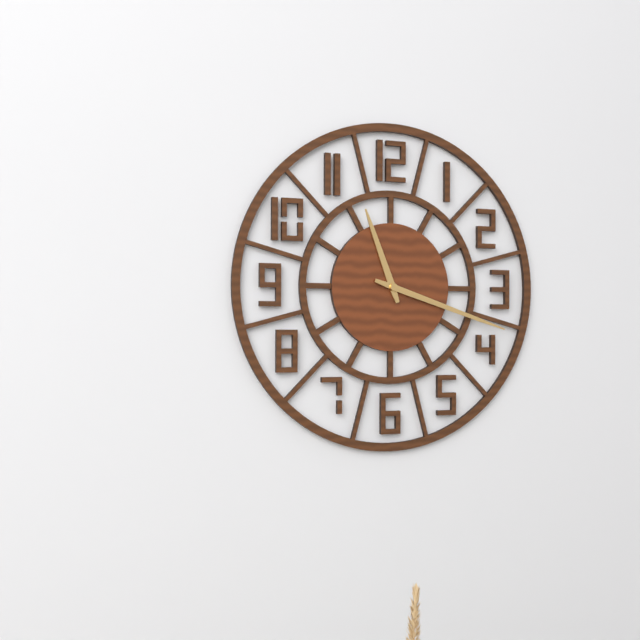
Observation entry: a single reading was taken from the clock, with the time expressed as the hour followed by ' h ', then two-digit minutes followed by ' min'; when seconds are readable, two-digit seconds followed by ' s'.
11 h 18 min
